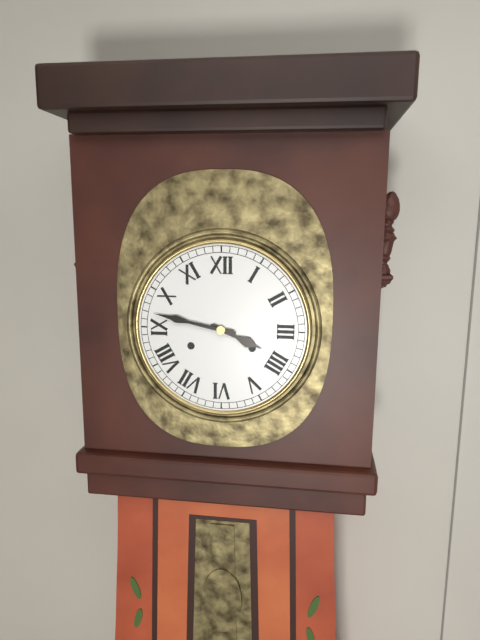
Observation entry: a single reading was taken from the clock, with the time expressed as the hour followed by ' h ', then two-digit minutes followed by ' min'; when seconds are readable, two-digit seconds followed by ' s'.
3 h 47 min
